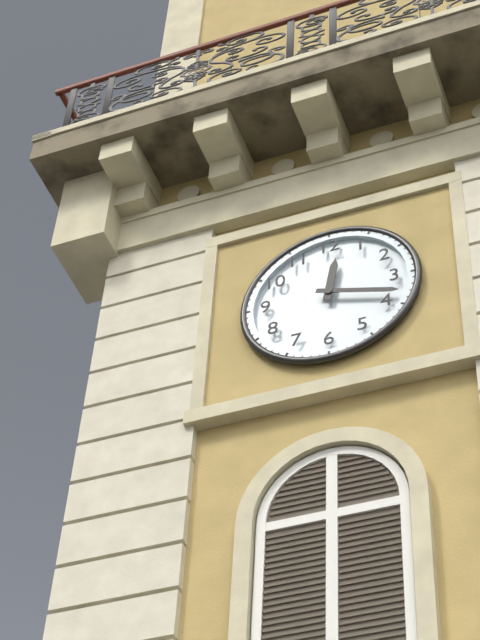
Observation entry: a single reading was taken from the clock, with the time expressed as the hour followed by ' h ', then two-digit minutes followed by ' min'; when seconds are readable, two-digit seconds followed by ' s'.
12 h 18 min
